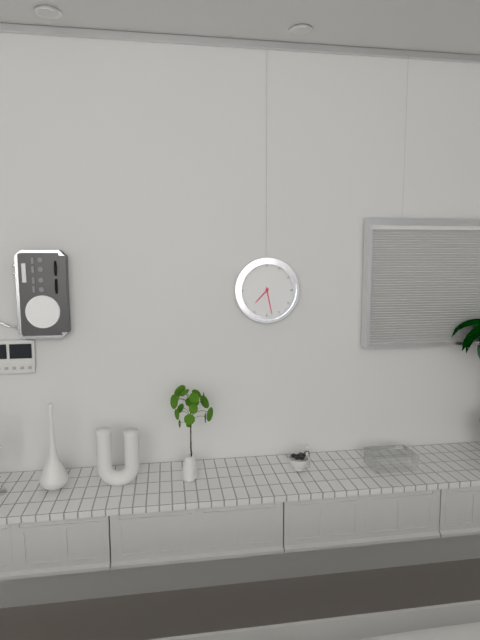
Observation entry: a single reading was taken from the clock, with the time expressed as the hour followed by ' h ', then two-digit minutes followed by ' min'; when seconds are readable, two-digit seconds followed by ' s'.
7 h 28 min
